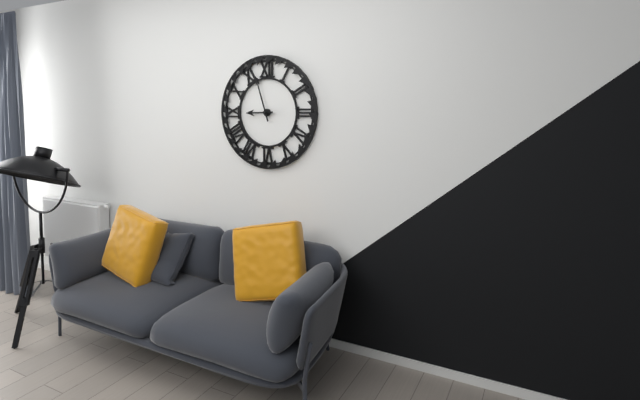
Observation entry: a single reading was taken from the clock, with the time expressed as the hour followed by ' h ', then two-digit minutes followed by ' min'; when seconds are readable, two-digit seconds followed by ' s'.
8 h 57 min
